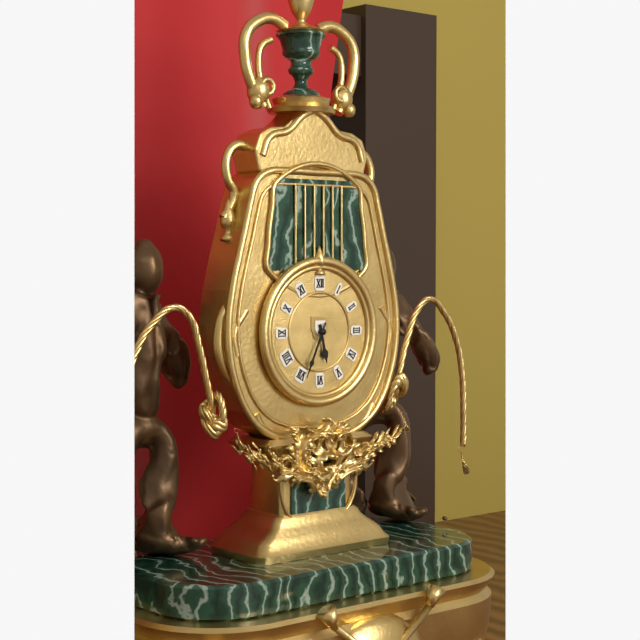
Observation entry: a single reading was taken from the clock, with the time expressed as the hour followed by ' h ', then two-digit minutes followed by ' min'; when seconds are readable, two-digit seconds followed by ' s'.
5 h 34 min
